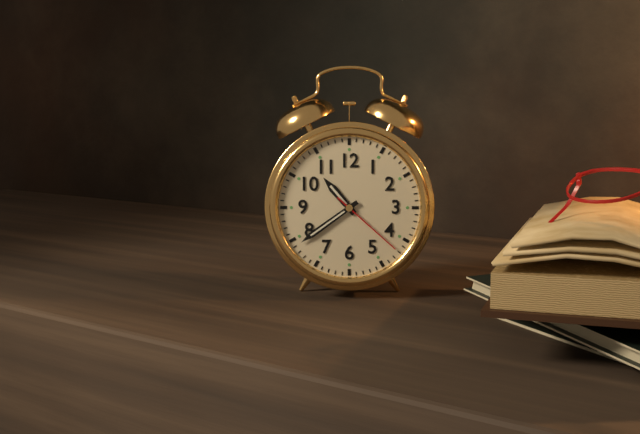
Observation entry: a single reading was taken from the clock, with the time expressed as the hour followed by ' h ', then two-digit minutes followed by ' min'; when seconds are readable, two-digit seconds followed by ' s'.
10 h 39 min 22 s
